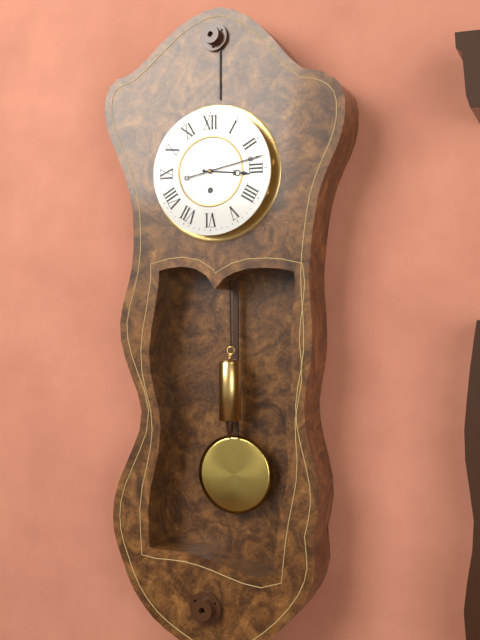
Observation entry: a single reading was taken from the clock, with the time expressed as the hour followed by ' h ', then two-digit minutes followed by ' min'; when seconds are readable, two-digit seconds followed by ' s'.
3 h 13 min
